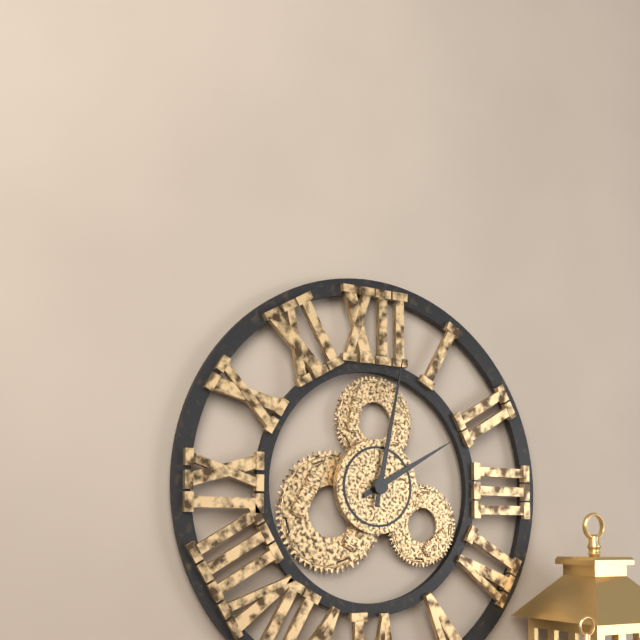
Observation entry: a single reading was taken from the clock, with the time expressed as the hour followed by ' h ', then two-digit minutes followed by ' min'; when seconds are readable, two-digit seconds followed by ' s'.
2 h 02 min
